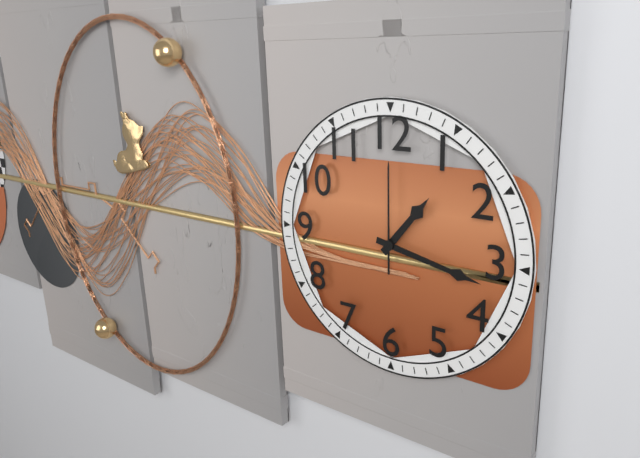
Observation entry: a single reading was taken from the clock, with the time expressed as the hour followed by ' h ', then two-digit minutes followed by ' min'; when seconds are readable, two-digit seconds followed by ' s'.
1 h 17 min 00 s
